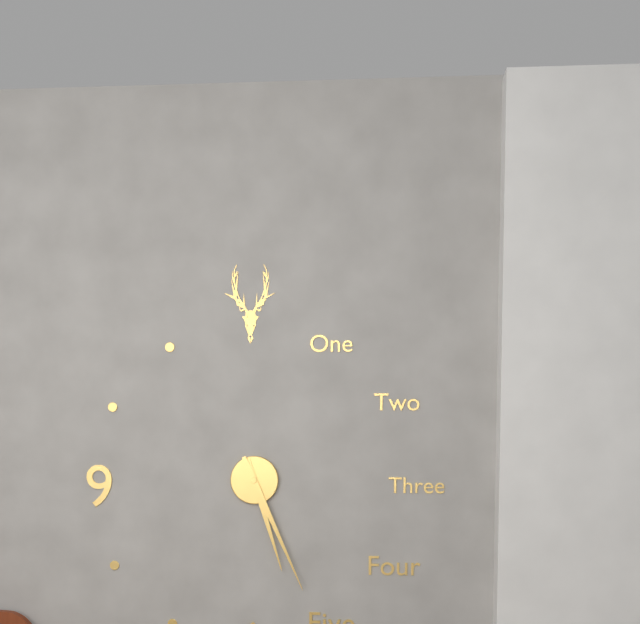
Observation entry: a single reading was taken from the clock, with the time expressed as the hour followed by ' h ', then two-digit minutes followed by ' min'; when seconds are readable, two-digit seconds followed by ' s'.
5 h 26 min
